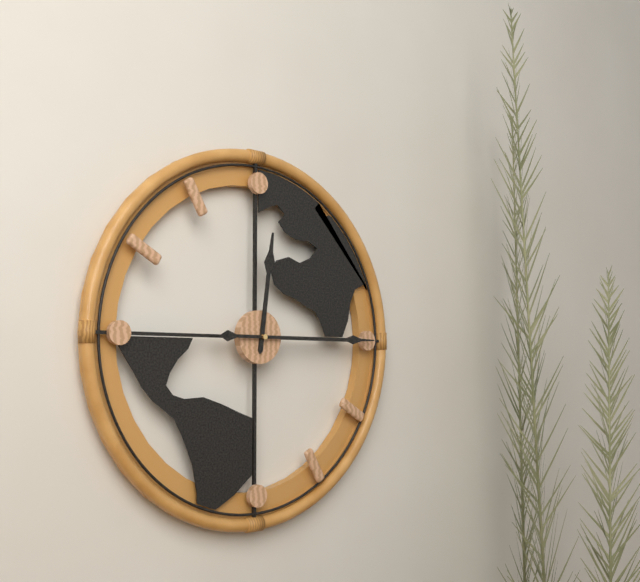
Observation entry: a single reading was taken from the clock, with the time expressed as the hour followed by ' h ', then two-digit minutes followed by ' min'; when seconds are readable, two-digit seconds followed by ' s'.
12 h 15 min
